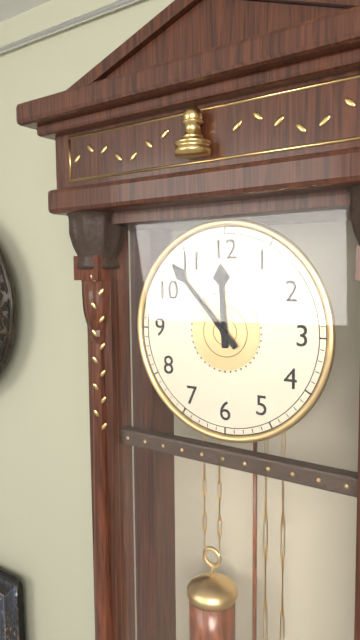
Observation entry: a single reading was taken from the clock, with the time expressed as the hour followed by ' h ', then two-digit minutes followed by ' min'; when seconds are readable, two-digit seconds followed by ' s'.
11 h 53 min
